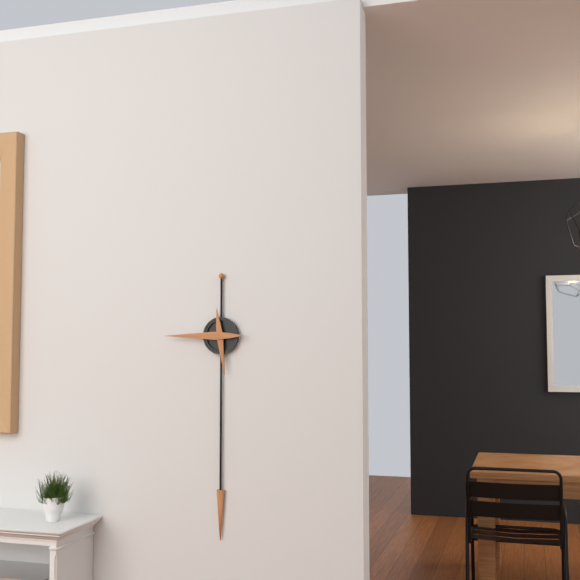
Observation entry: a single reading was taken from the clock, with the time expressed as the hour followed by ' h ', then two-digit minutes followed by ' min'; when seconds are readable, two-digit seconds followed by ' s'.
5 h 45 min
